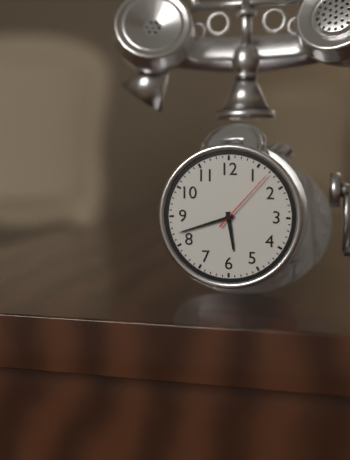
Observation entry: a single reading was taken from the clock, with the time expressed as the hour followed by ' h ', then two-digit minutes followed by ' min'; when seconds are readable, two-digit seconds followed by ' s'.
5 h 42 min 07 s
